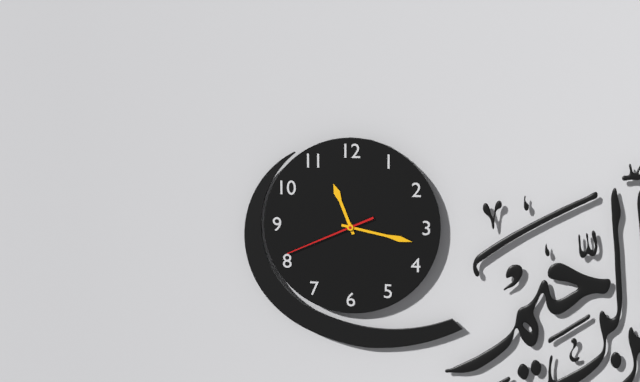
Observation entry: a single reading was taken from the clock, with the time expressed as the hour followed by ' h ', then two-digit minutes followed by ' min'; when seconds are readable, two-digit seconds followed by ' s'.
11 h 17 min 41 s
